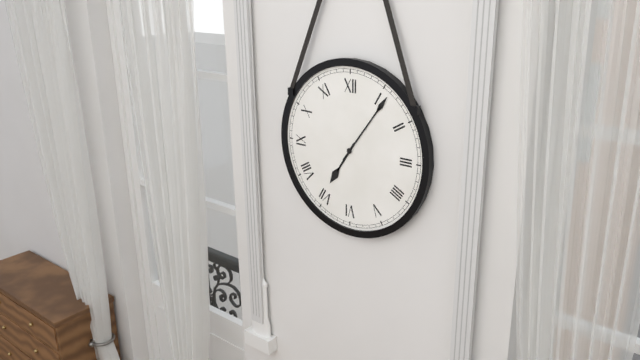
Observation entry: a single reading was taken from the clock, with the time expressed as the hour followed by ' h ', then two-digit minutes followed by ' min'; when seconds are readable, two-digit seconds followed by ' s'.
7 h 06 min
